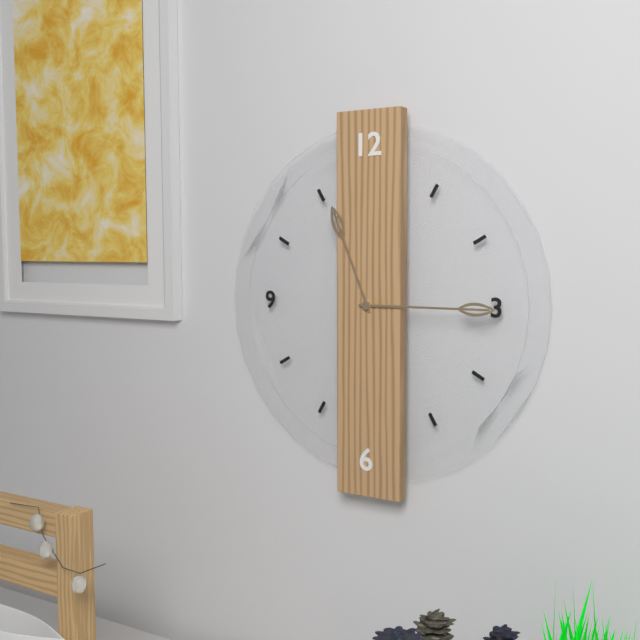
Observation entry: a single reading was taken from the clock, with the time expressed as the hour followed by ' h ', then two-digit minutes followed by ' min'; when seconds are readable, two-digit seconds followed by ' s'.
11 h 15 min
